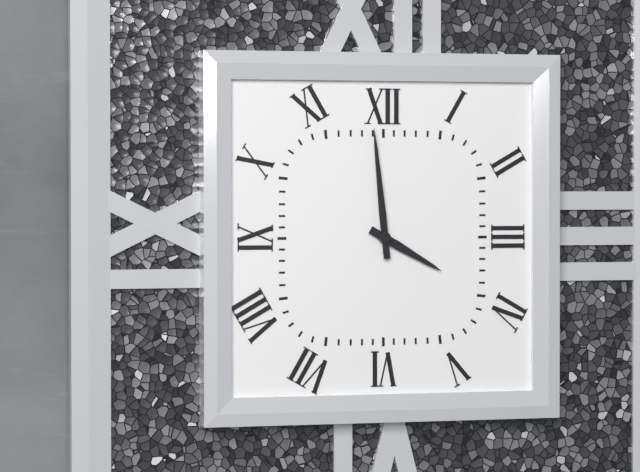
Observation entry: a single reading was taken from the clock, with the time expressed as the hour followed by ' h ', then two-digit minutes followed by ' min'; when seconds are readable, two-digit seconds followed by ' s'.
3 h 59 min
